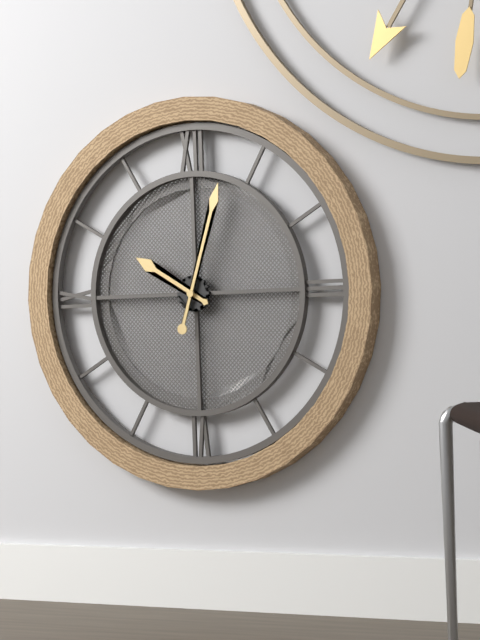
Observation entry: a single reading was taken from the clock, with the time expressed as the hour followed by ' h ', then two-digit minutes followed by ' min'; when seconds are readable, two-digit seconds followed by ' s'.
10 h 03 min
